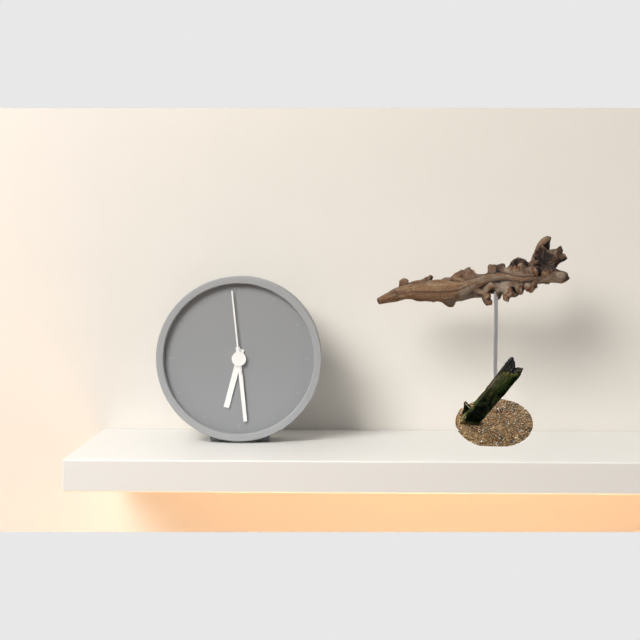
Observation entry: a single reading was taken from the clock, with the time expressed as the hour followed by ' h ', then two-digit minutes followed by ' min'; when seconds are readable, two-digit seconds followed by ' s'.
6 h 29 min 59 s
